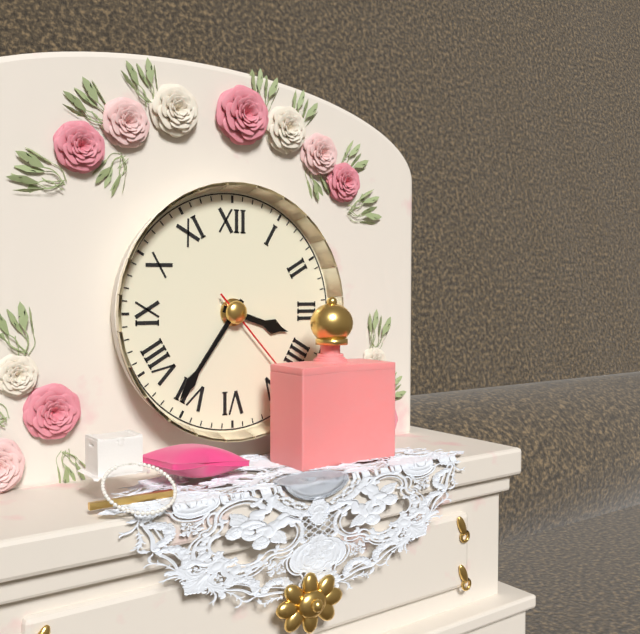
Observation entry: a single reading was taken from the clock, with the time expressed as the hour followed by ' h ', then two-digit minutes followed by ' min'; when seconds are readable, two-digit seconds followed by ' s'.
3 h 36 min
